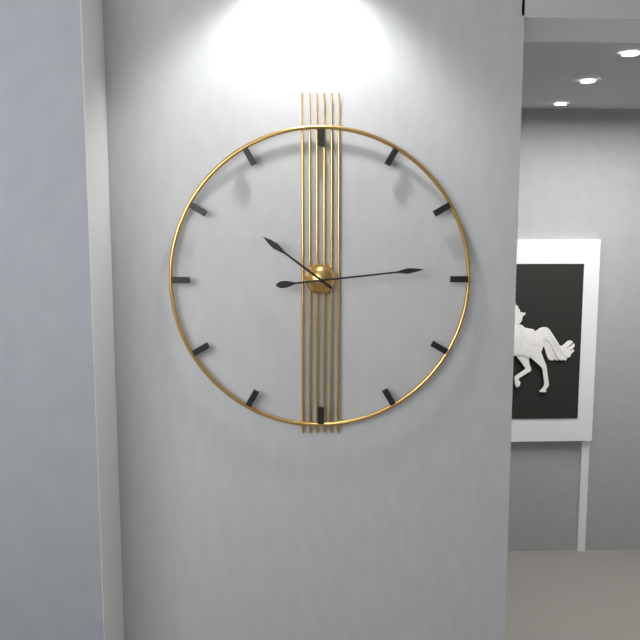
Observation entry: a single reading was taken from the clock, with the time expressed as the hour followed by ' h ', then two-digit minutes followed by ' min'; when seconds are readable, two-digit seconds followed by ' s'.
10 h 14 min
